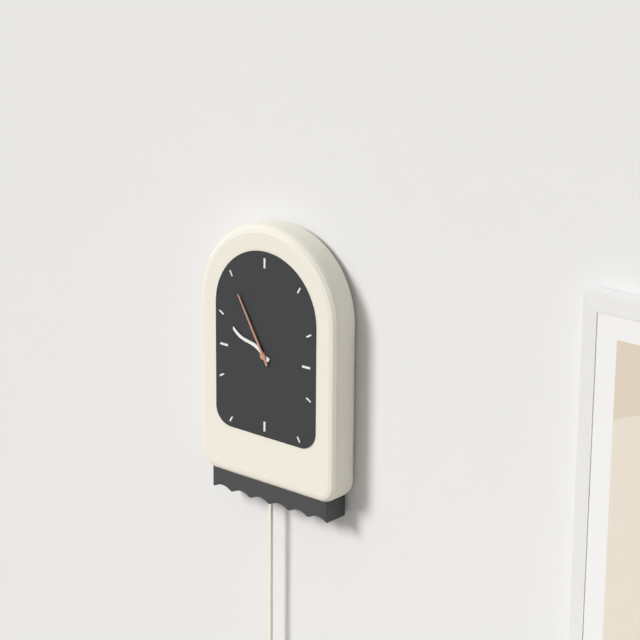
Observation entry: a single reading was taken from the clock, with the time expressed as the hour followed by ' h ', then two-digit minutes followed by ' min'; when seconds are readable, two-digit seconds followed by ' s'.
9 h 55 min
